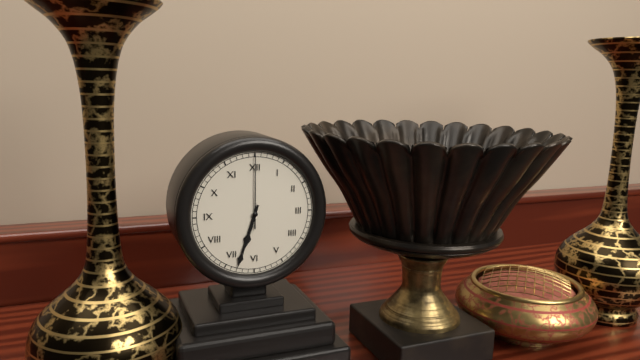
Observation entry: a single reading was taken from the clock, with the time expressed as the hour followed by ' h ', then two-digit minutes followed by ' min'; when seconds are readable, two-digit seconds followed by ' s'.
6 h 33 min 00 s
